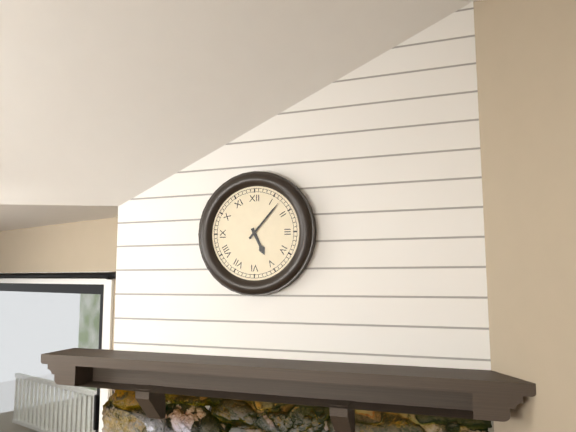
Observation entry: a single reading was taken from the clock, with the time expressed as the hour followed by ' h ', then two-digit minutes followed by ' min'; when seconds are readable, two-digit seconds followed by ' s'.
5 h 07 min
